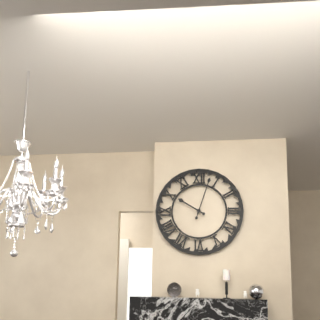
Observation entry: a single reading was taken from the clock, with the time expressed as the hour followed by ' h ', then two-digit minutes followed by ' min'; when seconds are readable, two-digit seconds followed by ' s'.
10 h 03 min
